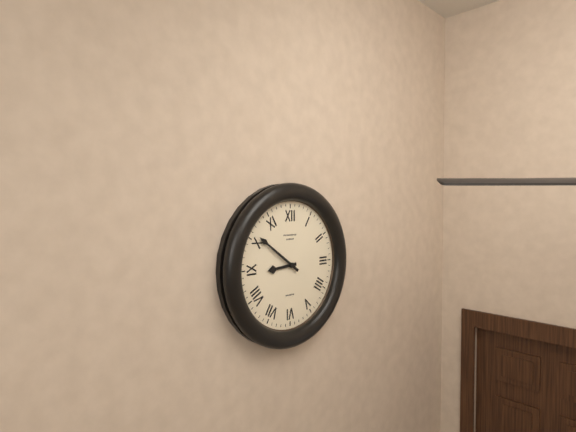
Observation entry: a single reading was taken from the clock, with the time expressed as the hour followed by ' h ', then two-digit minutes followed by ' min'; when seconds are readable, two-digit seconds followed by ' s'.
8 h 51 min
